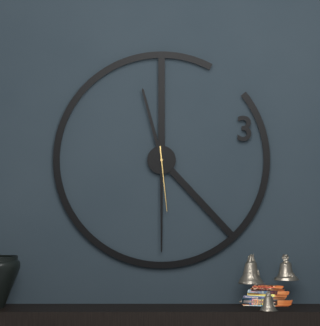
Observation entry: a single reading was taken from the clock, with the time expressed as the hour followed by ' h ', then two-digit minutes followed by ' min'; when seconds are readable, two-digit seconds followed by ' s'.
11 h 30 min 29 s
